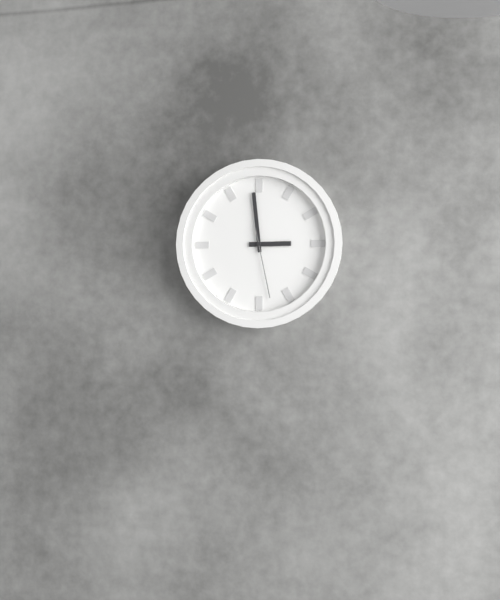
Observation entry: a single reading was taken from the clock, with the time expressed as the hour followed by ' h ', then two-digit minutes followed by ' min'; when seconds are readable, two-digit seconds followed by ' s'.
2 h 59 min 28 s
